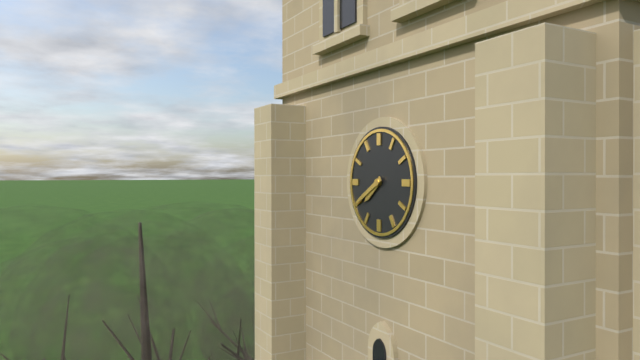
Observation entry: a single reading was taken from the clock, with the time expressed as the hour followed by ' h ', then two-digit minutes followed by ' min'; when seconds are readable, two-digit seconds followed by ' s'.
7 h 40 min
